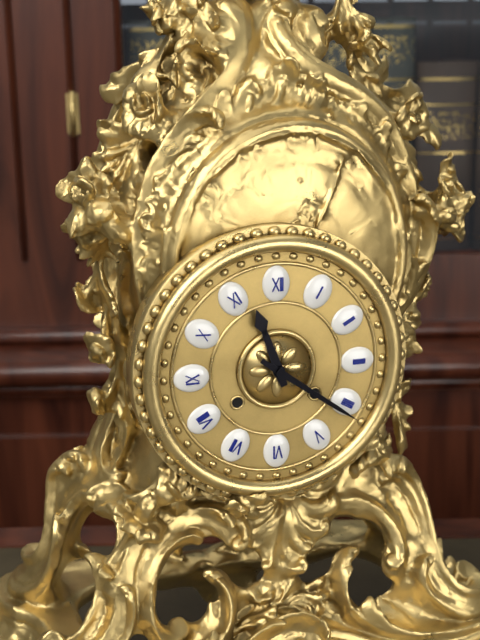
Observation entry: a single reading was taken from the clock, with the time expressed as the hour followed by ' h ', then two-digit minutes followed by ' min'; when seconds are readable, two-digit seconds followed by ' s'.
11 h 21 min
